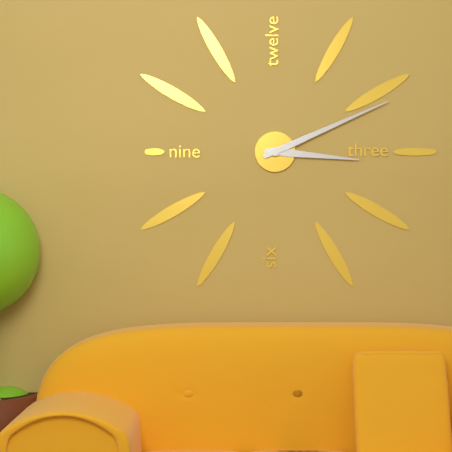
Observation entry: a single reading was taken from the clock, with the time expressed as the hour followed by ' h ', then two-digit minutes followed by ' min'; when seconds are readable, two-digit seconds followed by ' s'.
3 h 11 min
